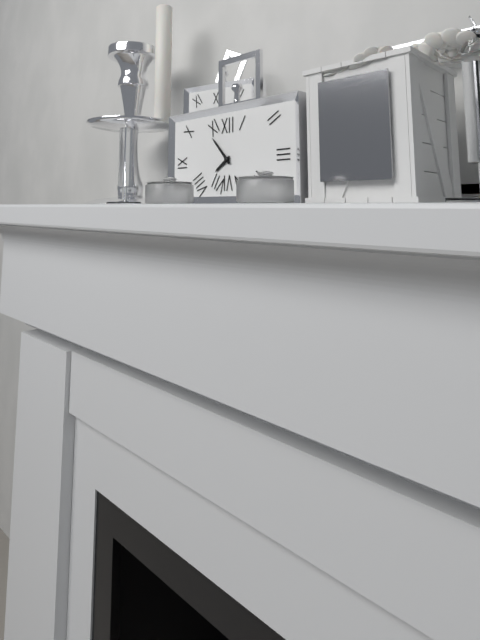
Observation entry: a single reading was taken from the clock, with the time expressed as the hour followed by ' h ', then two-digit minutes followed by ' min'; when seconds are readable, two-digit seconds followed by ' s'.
7 h 53 min
